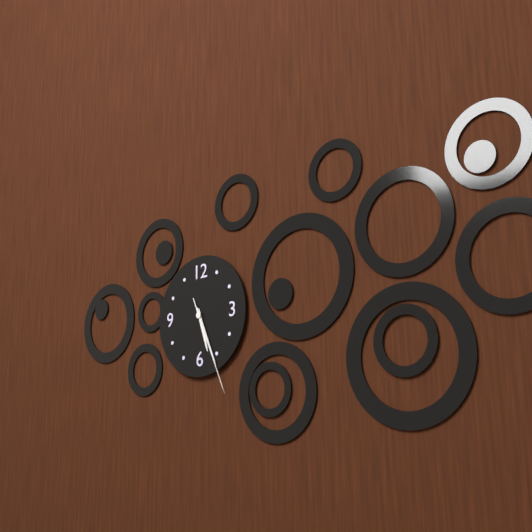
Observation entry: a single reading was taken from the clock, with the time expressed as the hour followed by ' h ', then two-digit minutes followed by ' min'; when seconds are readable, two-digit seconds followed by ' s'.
5 h 26 min 26 s
